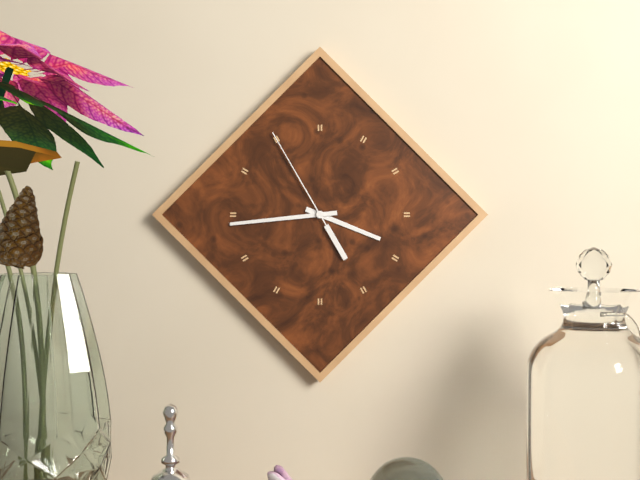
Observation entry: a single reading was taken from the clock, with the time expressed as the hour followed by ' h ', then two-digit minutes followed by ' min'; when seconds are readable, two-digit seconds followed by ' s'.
3 h 44 min 55 s
